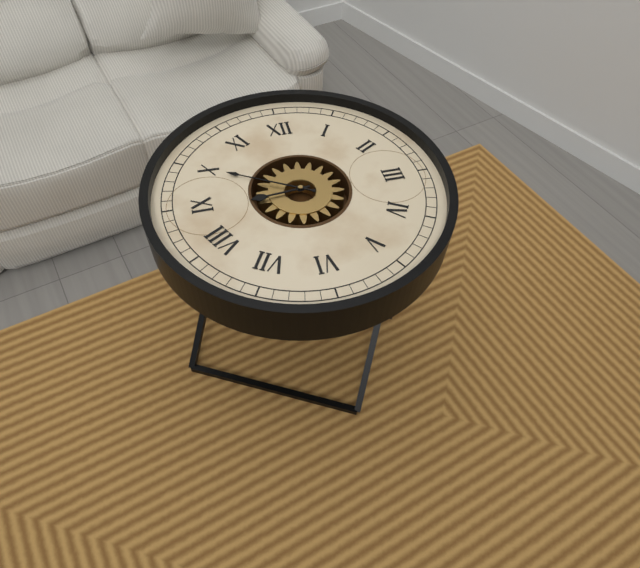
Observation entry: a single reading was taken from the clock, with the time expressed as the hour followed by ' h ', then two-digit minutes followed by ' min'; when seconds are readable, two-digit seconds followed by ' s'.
8 h 50 min
